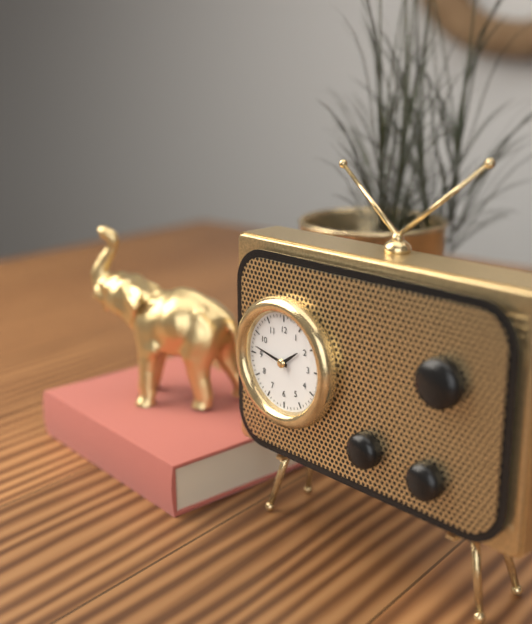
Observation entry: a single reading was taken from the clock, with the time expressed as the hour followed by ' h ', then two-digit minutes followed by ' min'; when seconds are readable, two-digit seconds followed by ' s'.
1 h 47 min
